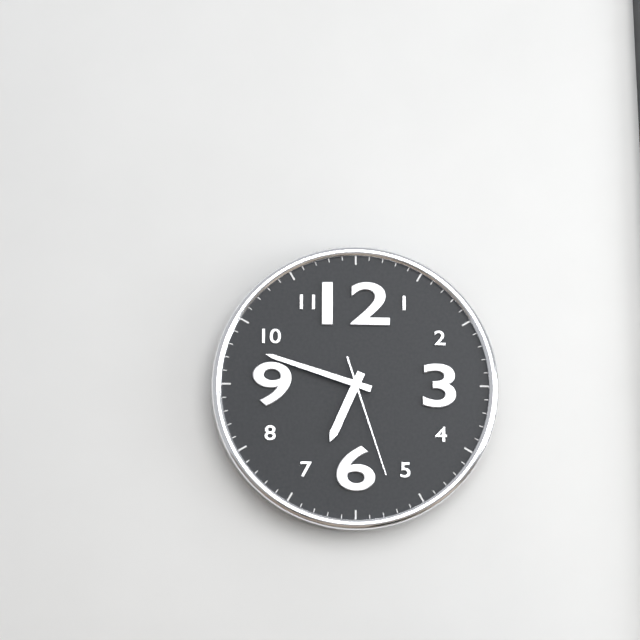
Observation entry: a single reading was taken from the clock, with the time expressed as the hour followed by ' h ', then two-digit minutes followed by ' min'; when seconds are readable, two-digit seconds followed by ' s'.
6 h 48 min 27 s
